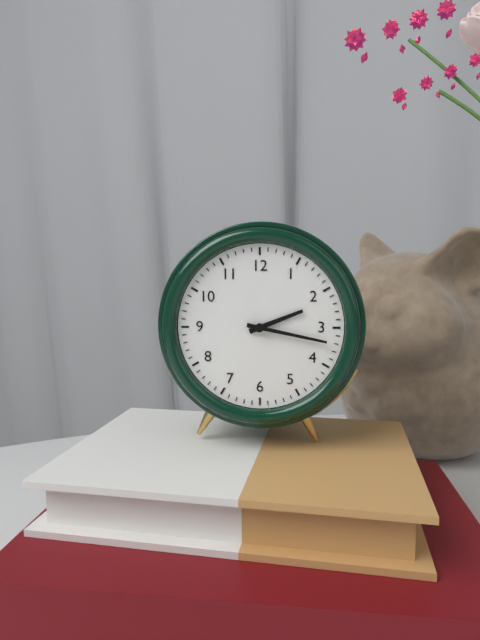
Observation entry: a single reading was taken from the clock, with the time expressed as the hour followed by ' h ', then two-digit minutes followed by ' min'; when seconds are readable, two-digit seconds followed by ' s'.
2 h 17 min
